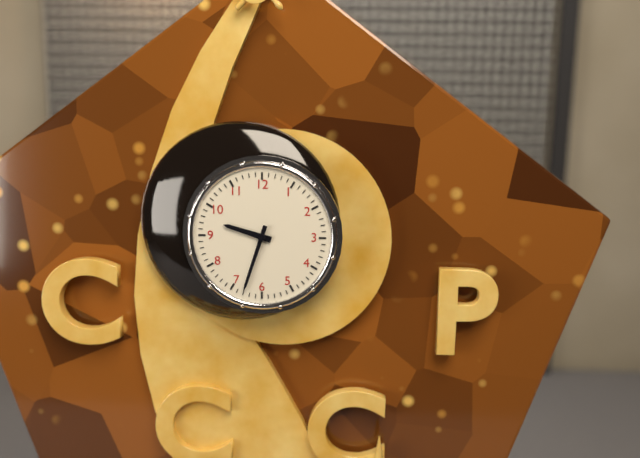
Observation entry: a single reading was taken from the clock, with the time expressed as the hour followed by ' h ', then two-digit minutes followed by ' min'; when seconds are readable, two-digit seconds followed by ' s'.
9 h 33 min
